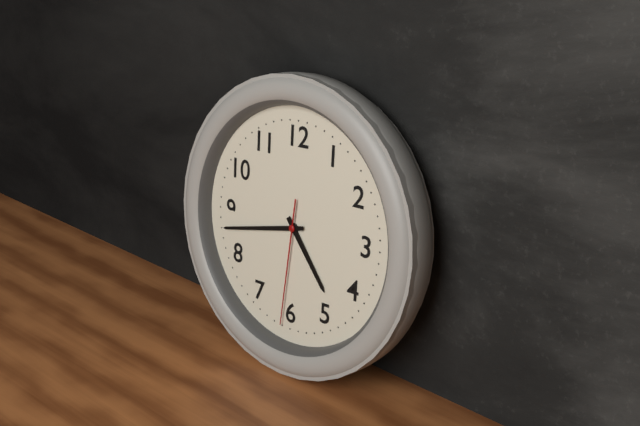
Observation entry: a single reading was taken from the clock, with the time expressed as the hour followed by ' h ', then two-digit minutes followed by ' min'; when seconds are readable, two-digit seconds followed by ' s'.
4 h 43 min 31 s
